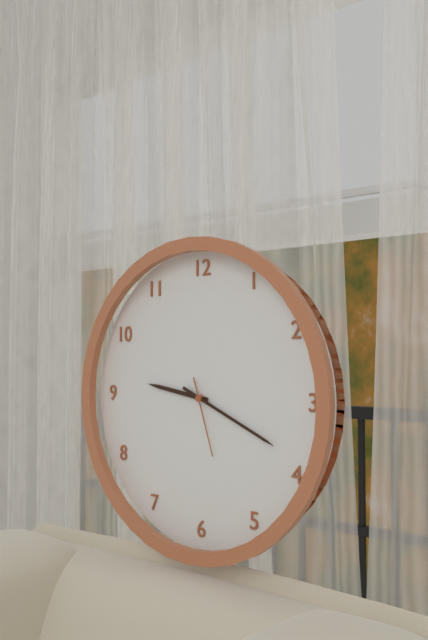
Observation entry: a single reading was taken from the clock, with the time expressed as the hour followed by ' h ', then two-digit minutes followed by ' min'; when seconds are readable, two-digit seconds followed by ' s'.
9 h 19 min 27 s
